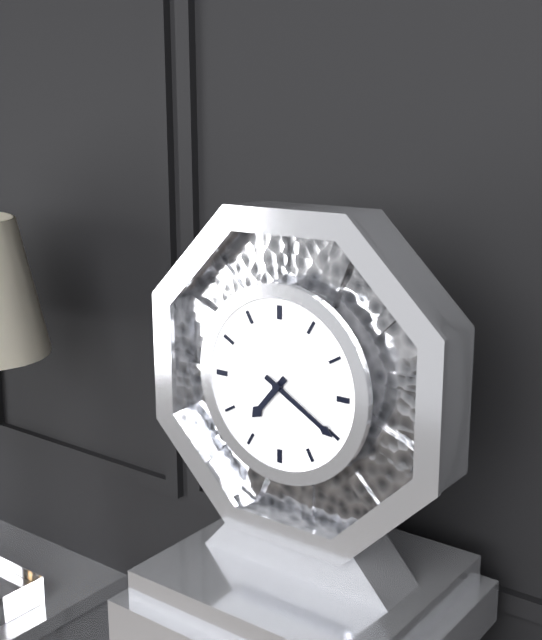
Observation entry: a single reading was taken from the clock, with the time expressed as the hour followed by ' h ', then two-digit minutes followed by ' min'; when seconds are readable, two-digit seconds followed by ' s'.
7 h 20 min
